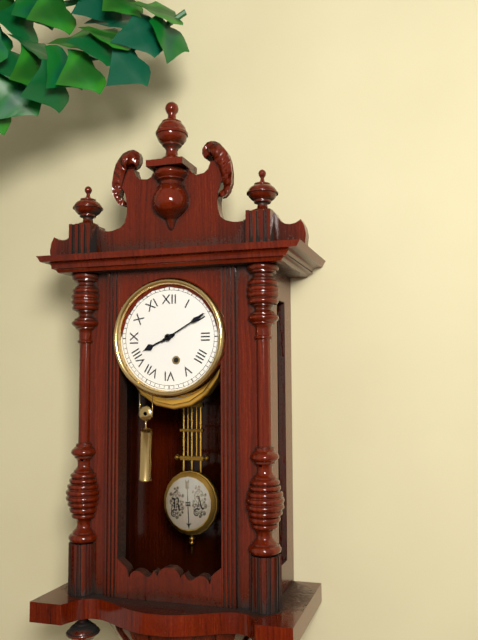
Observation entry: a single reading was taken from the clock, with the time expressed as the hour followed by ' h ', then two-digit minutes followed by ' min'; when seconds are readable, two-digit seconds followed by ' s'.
8 h 10 min
